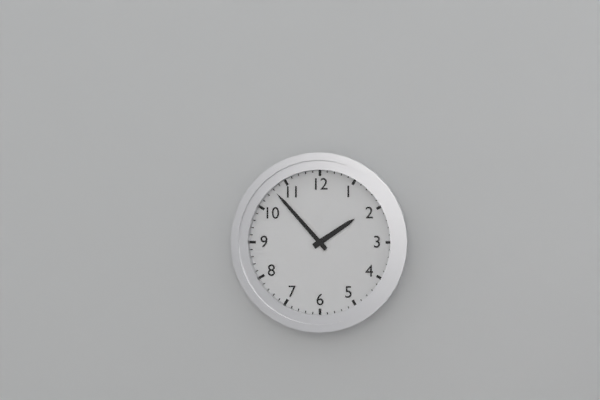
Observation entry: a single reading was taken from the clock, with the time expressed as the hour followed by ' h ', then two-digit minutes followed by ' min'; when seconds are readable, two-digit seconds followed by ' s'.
1 h 53 min
